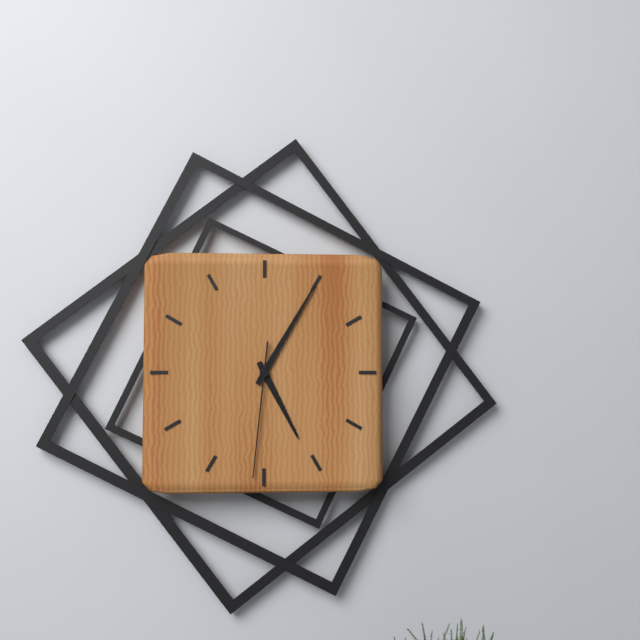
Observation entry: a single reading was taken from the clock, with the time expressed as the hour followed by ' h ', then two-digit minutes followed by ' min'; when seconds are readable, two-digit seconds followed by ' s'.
5 h 05 min 31 s
